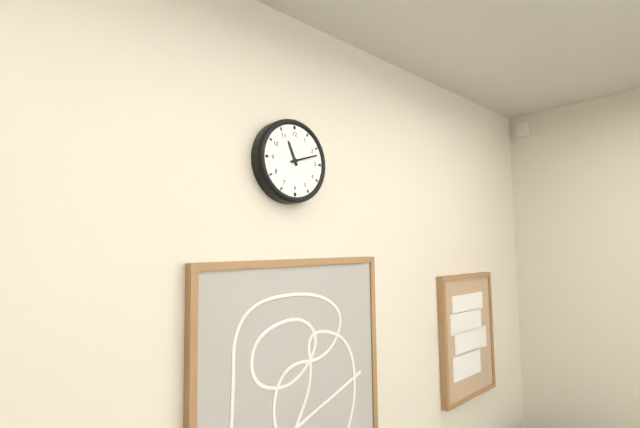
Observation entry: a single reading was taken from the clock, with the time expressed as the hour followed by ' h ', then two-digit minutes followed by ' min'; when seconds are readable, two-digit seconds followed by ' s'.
11 h 12 min
